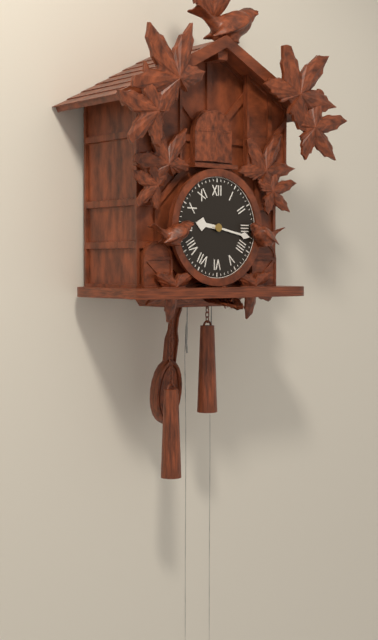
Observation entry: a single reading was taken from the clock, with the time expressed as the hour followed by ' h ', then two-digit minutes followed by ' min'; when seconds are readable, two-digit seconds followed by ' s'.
9 h 17 min
